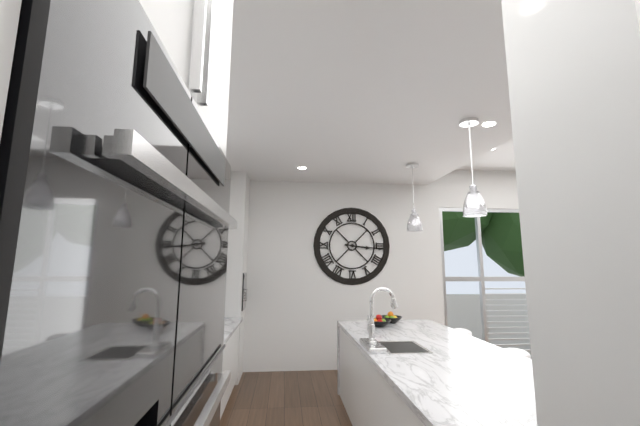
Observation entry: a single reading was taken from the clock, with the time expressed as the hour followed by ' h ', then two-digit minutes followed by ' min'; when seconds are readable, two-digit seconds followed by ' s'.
3 h 16 min
